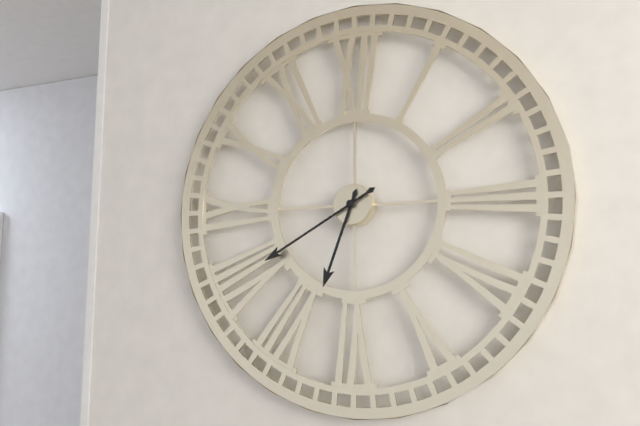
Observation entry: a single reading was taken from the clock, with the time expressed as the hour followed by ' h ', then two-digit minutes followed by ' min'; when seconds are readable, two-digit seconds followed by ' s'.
6 h 40 min
